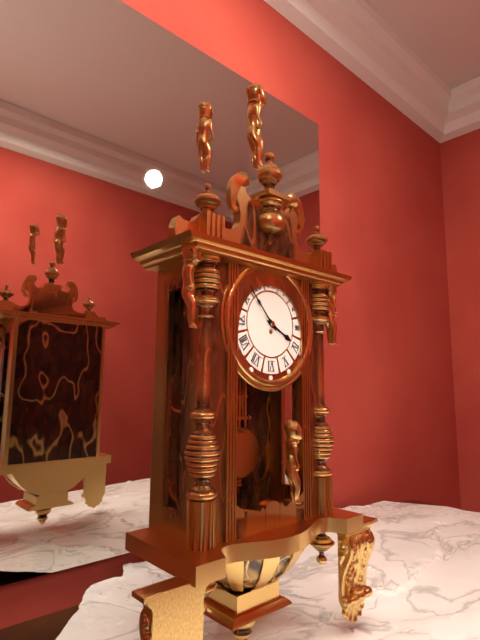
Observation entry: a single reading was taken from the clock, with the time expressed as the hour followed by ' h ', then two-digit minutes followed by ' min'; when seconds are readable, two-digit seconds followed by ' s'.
3 h 53 min
